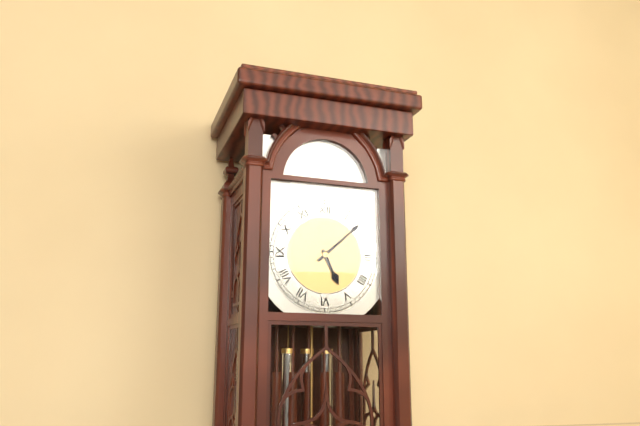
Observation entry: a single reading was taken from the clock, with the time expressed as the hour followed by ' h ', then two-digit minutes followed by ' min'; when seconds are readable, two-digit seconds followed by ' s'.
5 h 08 min
